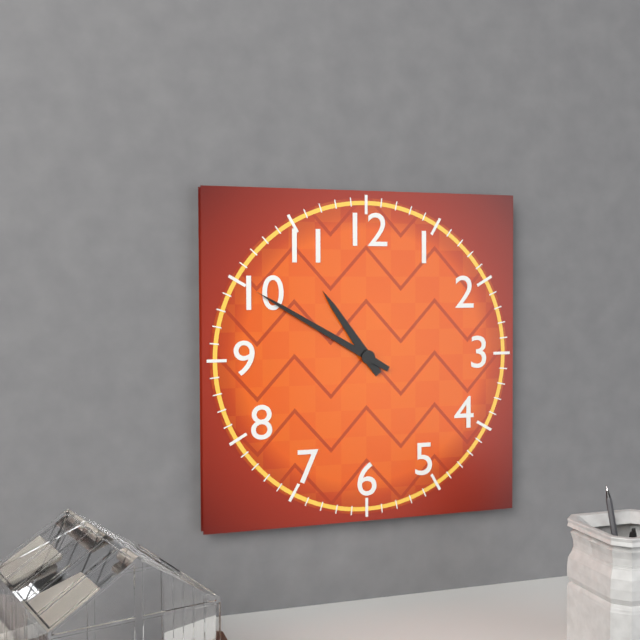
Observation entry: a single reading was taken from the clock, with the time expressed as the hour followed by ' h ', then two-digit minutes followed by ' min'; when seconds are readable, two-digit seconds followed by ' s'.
10 h 50 min
